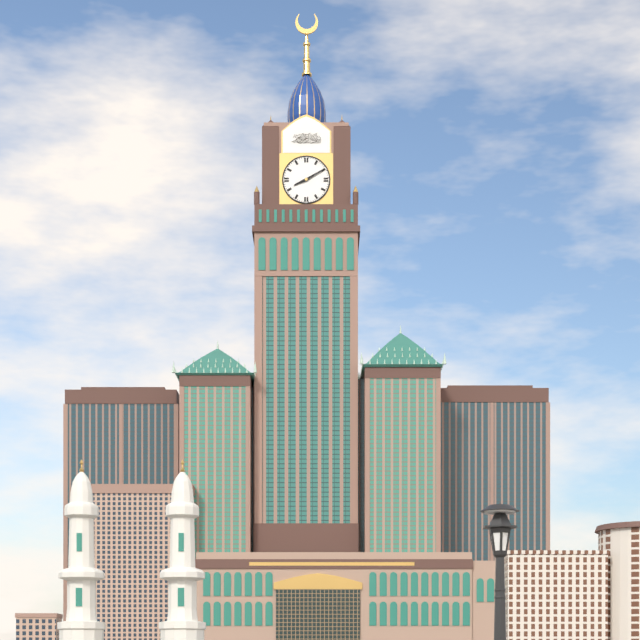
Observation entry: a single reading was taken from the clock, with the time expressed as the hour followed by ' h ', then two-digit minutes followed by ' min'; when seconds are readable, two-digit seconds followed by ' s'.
8 h 10 min
